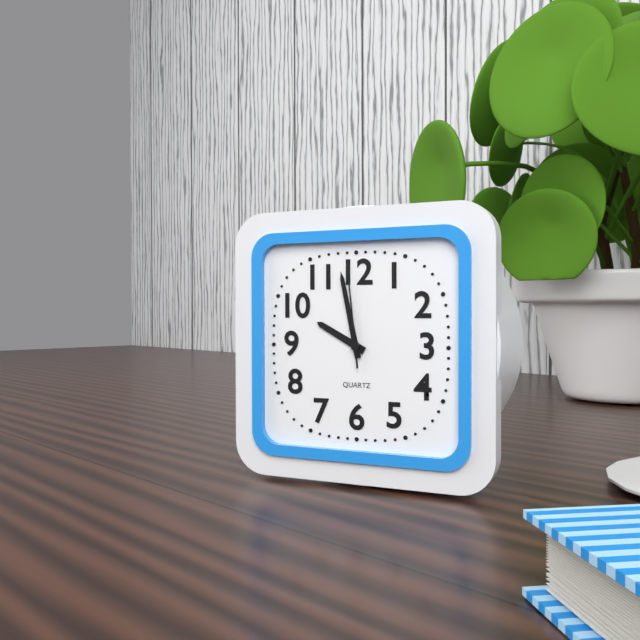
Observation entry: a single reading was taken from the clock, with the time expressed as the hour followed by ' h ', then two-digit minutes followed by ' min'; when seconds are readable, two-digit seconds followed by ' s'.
9 h 58 min 59 s
